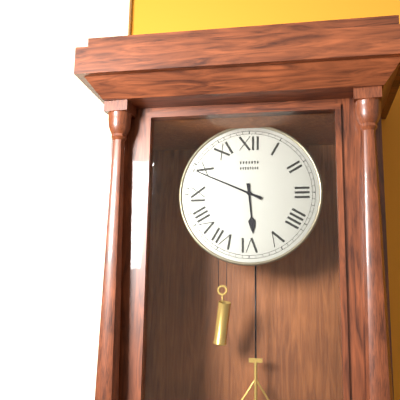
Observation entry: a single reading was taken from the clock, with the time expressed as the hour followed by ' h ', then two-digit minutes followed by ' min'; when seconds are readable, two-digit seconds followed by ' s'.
5 h 49 min
